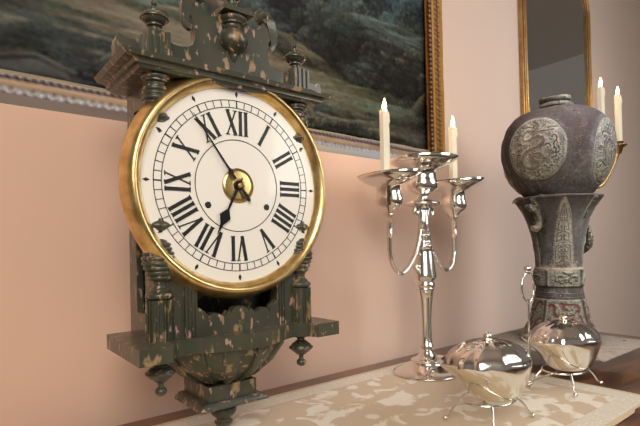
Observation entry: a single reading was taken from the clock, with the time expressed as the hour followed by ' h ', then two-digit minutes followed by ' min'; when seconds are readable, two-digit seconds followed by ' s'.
6 h 54 min
